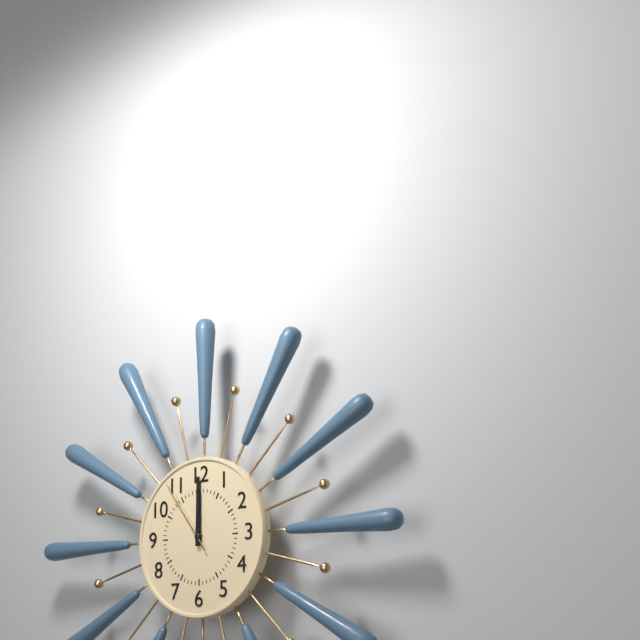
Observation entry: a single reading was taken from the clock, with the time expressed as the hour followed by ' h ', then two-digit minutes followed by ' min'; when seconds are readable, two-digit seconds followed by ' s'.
12 h 00 min 54 s
